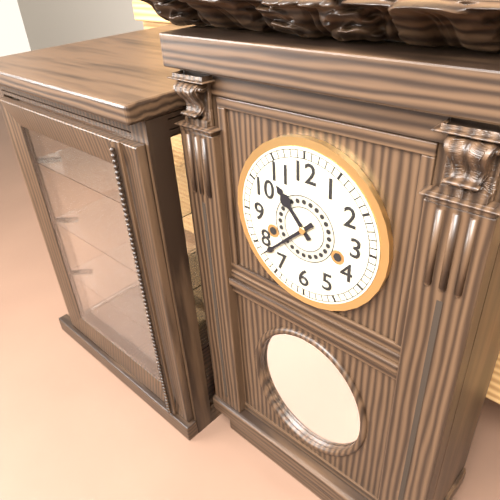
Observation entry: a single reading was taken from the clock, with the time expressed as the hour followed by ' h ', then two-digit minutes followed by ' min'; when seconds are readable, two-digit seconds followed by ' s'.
10 h 38 min
